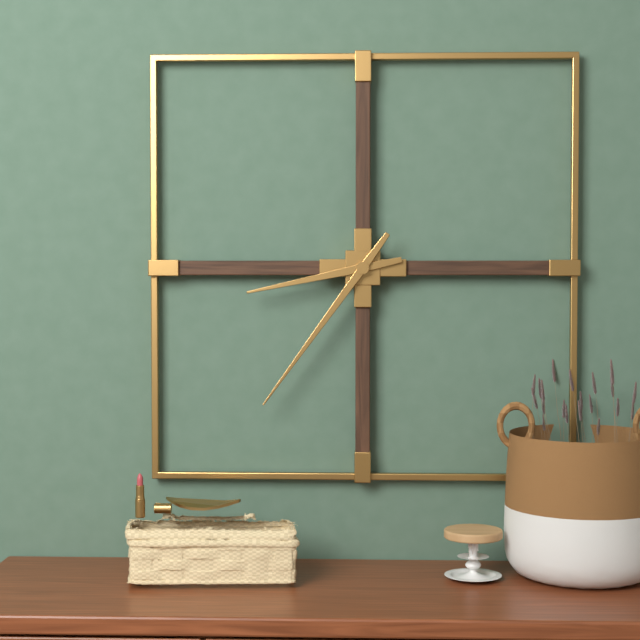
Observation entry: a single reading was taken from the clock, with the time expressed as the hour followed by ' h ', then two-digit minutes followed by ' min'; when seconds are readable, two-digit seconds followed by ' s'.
8 h 36 min
